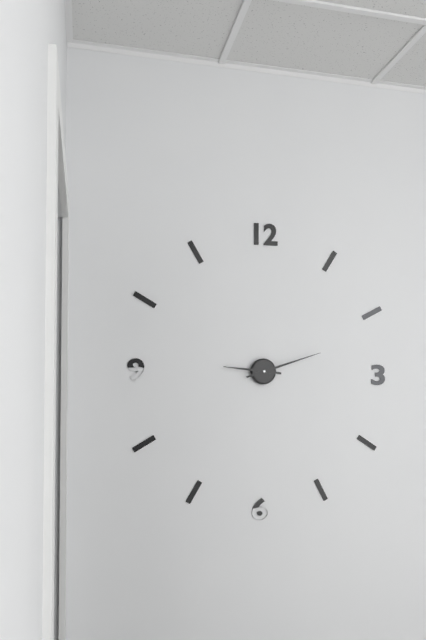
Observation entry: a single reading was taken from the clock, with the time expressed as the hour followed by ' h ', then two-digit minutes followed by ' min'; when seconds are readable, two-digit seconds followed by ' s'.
9 h 12 min
